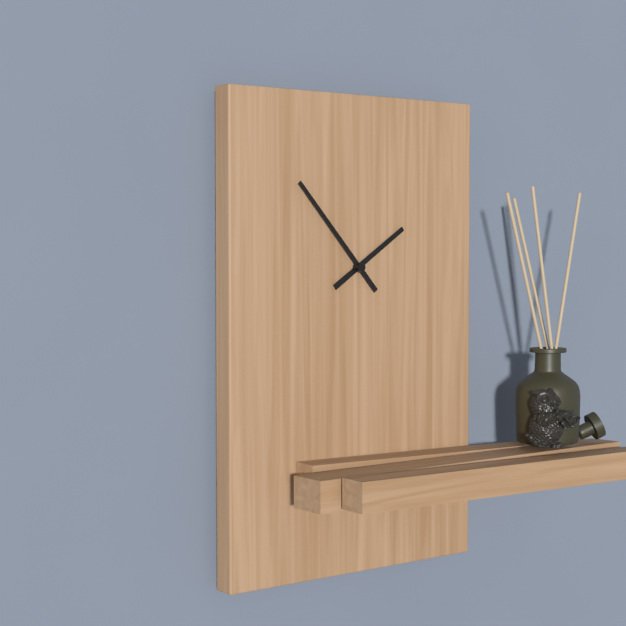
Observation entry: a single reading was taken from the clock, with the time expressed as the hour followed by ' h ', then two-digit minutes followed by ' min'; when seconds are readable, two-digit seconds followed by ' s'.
1 h 53 min
